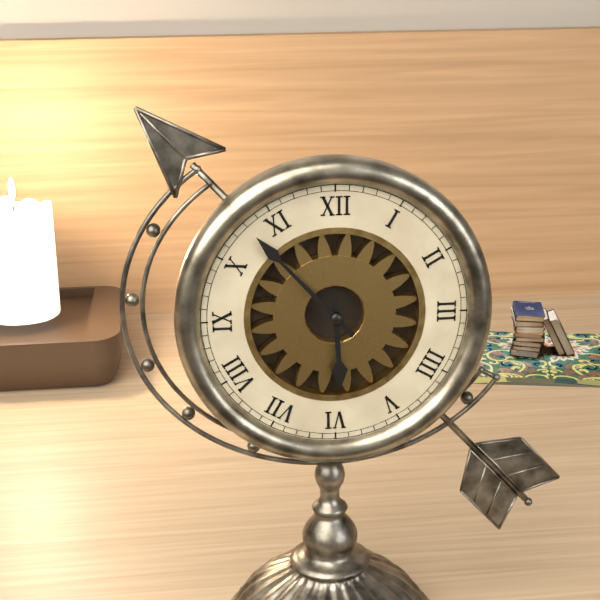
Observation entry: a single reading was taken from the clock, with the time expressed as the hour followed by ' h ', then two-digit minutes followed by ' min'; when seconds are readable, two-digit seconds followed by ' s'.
5 h 53 min
